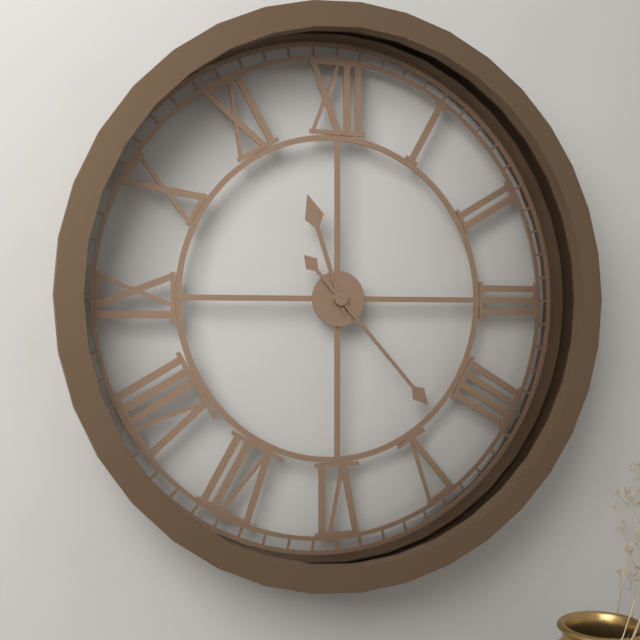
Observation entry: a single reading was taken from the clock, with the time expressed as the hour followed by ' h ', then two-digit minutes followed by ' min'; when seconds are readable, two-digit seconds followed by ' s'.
11 h 23 min
